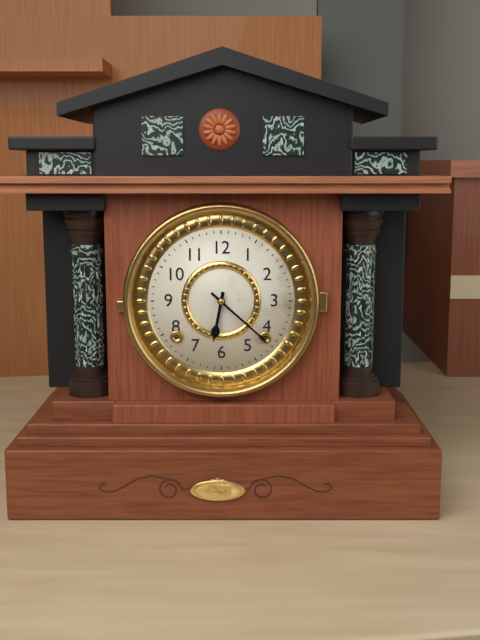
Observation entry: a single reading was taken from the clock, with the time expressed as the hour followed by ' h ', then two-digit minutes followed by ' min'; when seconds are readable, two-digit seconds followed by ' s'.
6 h 22 min
